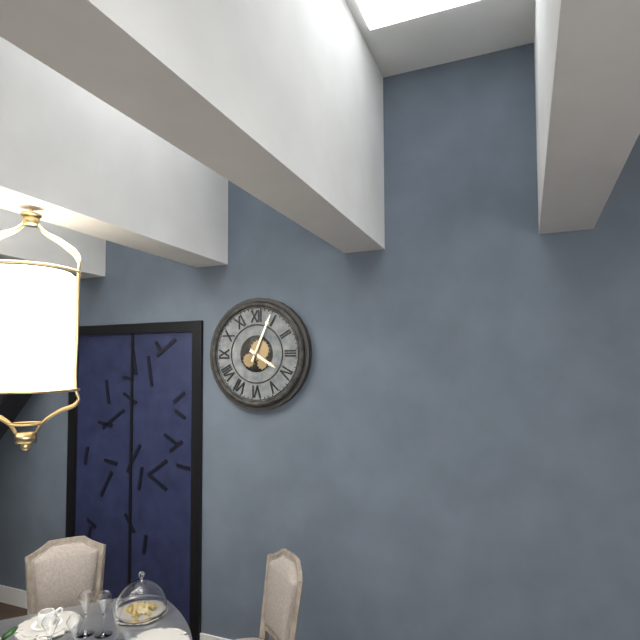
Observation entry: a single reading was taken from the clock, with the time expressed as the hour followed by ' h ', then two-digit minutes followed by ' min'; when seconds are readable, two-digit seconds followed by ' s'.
4 h 04 min
